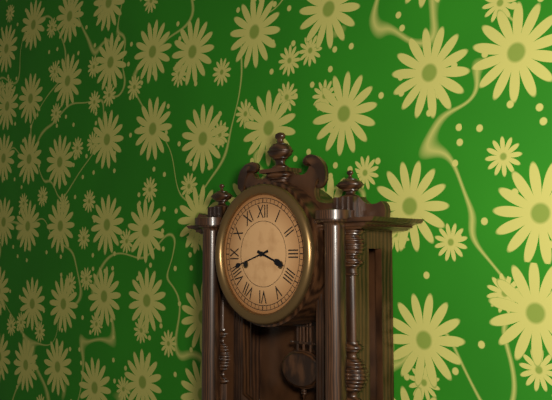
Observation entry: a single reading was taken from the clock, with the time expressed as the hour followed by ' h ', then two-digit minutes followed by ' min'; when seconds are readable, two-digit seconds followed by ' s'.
3 h 42 min
